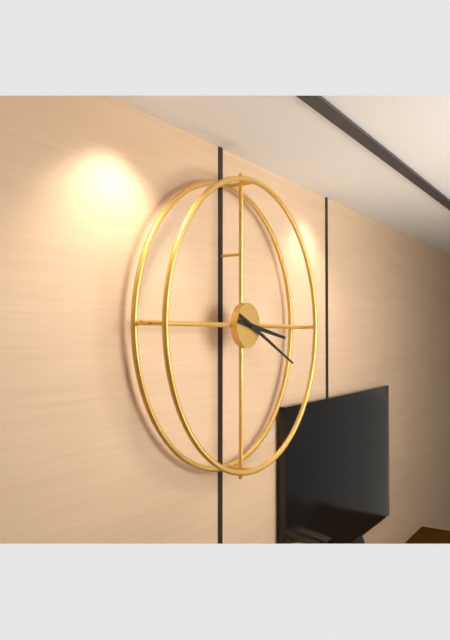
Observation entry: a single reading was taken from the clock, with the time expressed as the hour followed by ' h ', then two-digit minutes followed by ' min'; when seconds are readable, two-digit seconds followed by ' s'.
3 h 19 min
